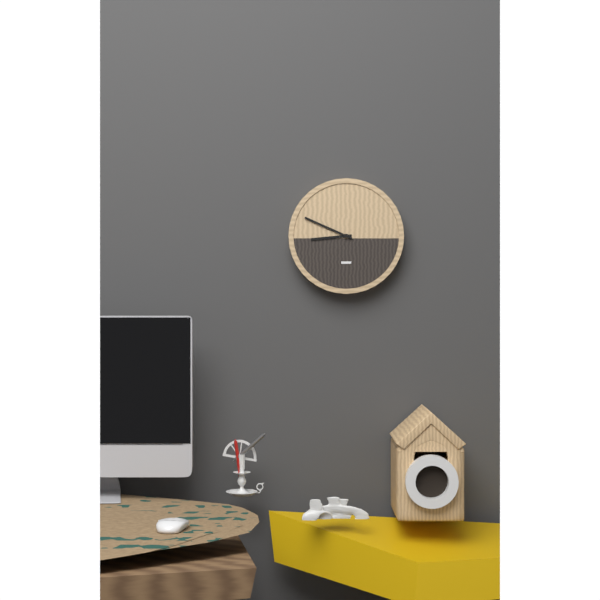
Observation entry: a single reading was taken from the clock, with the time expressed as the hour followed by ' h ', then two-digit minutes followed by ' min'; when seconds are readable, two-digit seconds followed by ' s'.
8 h 49 min
